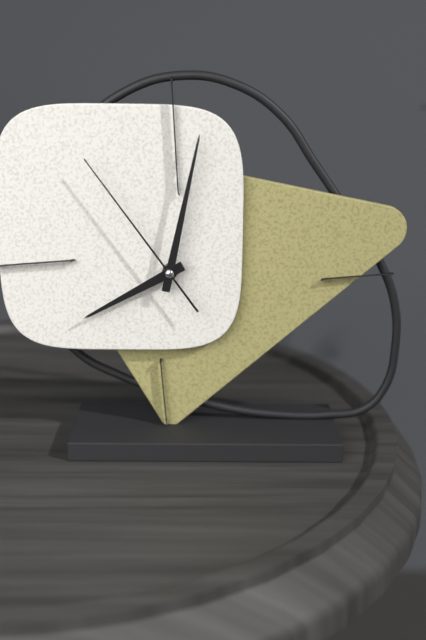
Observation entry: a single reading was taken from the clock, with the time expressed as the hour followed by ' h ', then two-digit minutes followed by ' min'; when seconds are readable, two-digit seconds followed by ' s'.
8 h 02 min 54 s
